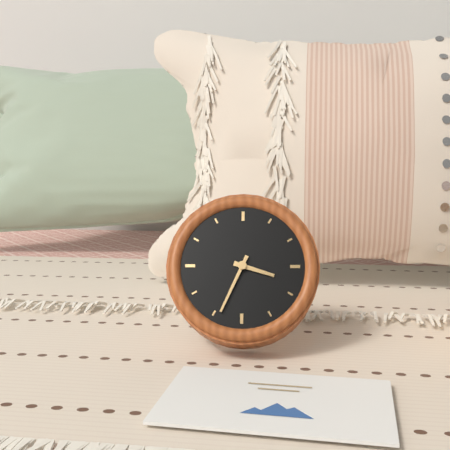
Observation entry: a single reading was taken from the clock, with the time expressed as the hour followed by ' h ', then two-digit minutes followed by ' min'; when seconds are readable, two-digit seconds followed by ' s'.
3 h 34 min
